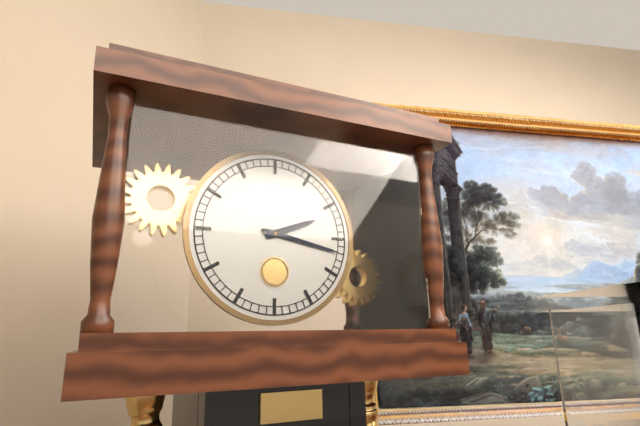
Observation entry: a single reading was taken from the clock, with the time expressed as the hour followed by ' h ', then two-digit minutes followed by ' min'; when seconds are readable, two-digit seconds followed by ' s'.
2 h 17 min
